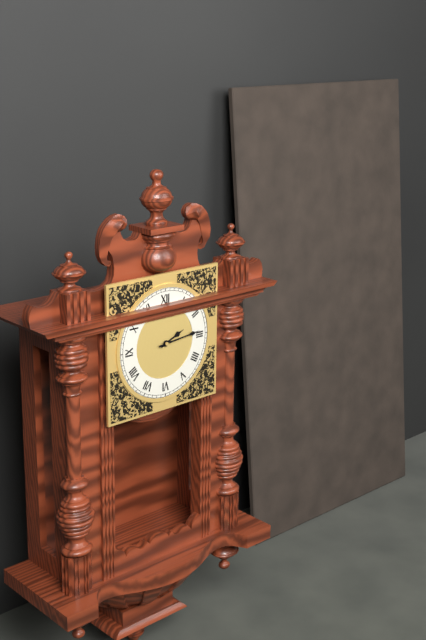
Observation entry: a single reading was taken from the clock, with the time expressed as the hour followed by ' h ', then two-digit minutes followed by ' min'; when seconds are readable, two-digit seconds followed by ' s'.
2 h 14 min
